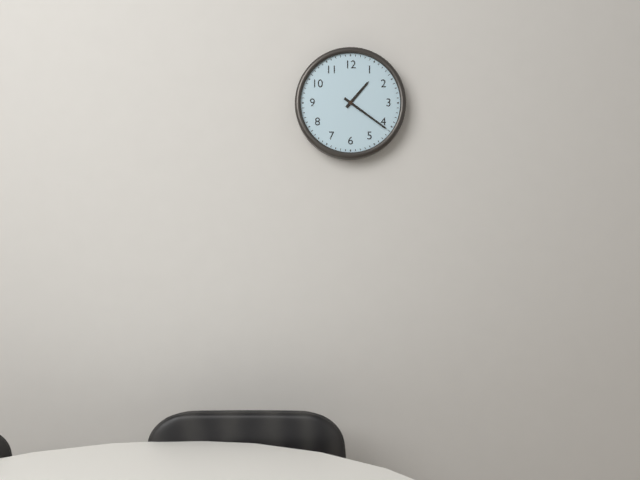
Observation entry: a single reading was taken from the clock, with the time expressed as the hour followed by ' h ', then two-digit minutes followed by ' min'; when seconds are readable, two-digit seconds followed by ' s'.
1 h 21 min
